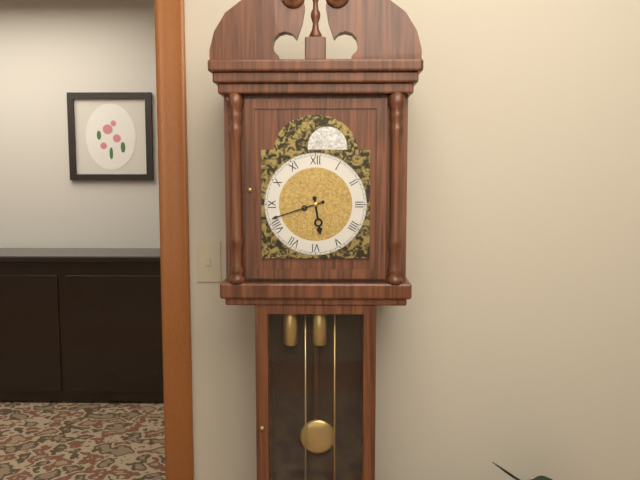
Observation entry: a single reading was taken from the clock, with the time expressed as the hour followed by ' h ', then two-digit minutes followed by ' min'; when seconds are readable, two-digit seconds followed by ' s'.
5 h 42 min
